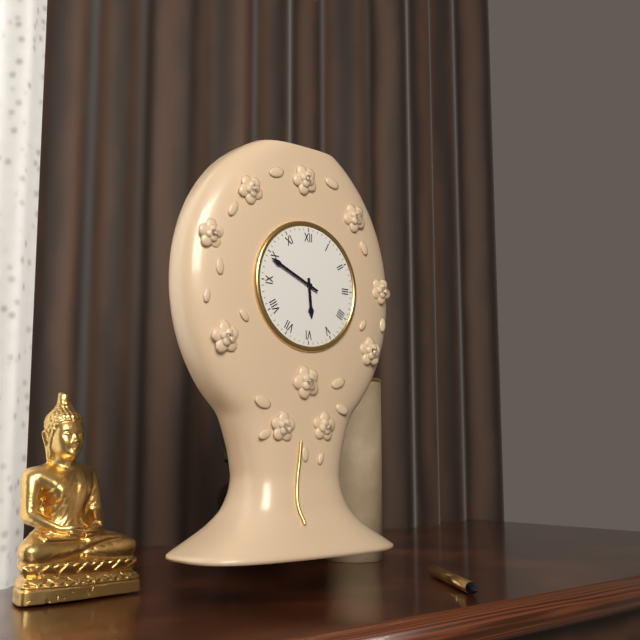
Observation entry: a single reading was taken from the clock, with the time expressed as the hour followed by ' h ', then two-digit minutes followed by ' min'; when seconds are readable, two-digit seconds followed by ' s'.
5 h 49 min
